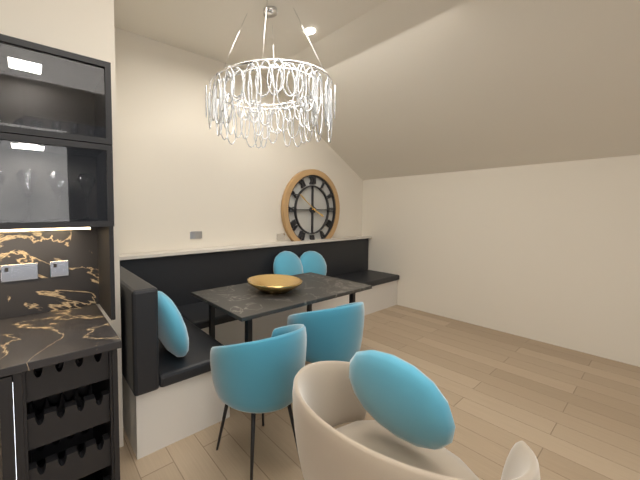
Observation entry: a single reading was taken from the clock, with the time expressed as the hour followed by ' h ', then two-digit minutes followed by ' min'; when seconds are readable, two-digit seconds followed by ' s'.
3 h 51 min
